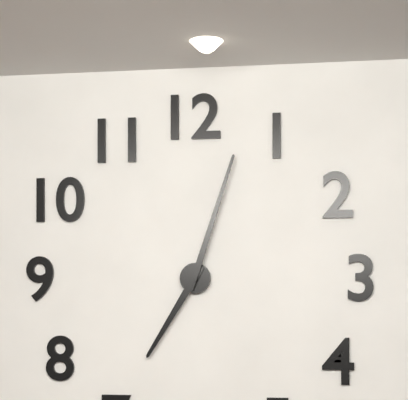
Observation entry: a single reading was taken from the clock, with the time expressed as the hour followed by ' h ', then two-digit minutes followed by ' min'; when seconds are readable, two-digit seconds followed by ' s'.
7 h 03 min
